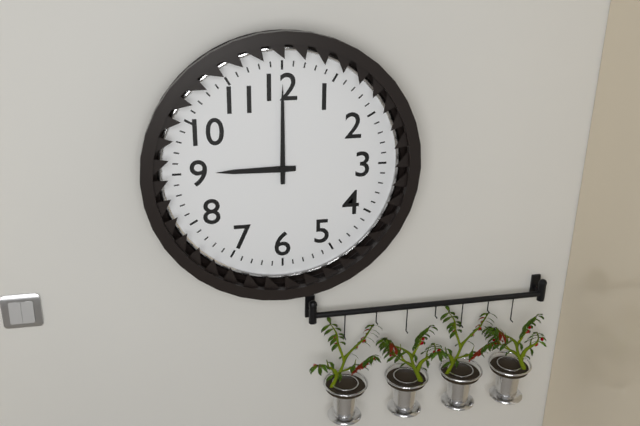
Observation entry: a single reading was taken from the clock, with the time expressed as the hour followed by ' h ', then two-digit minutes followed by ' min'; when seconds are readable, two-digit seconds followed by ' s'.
9 h 00 min
